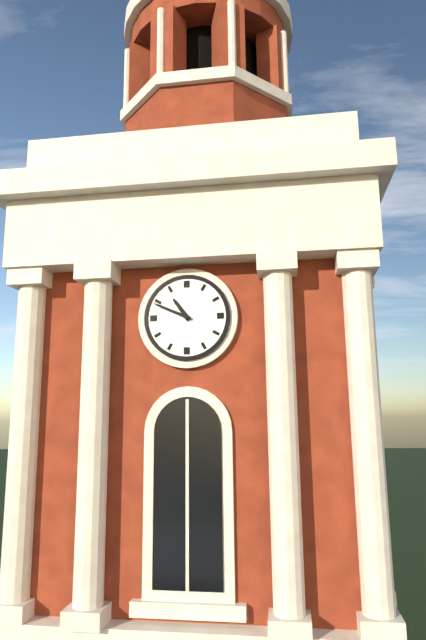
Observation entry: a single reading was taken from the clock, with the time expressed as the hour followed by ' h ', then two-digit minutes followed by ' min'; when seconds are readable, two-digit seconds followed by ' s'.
10 h 49 min
